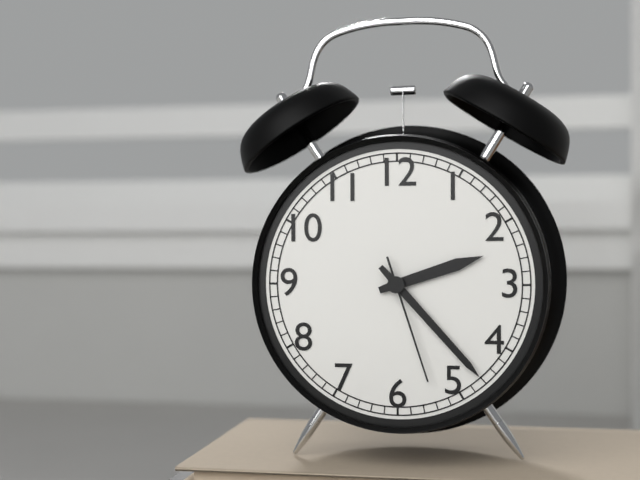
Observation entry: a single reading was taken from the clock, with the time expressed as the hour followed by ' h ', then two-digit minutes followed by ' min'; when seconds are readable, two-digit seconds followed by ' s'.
2 h 23 min 27 s
